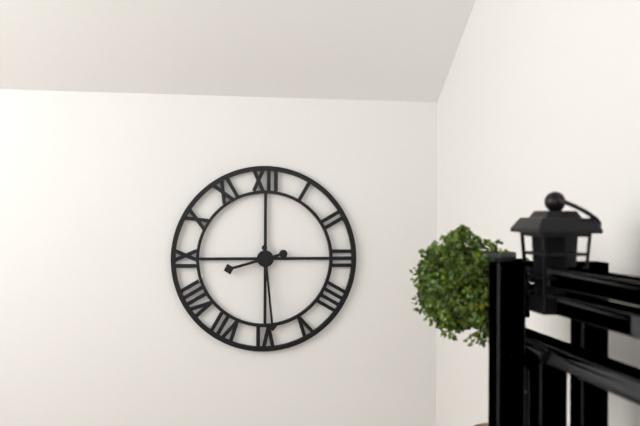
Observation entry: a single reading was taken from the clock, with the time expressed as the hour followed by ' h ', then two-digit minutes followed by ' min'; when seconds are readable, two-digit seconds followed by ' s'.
8 h 29 min
